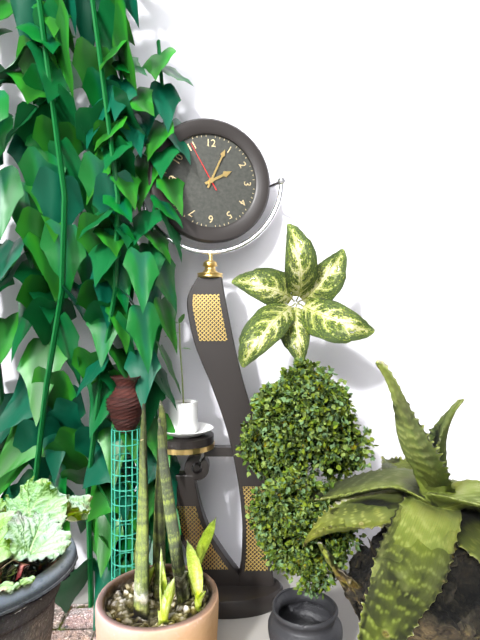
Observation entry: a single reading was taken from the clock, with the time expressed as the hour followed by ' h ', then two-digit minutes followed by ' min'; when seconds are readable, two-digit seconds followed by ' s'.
2 h 04 min 55 s
